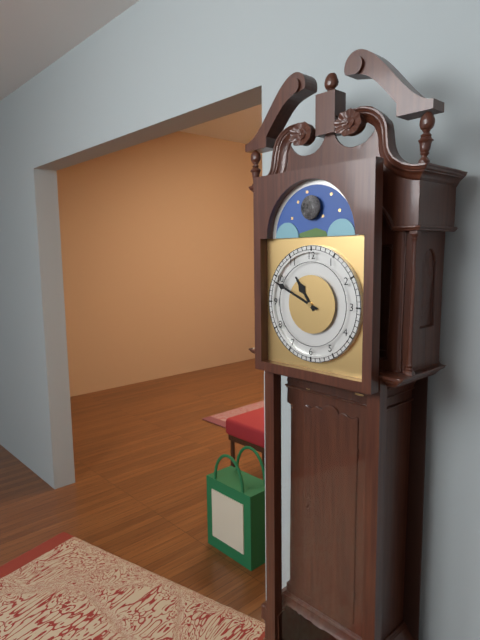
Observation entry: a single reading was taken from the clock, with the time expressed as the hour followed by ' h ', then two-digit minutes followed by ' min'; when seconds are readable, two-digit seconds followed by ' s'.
10 h 49 min
